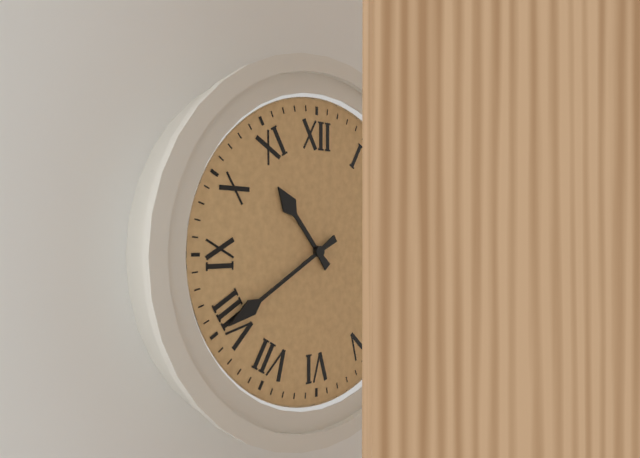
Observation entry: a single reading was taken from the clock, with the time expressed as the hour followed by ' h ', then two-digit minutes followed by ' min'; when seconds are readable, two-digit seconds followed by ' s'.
10 h 40 min
